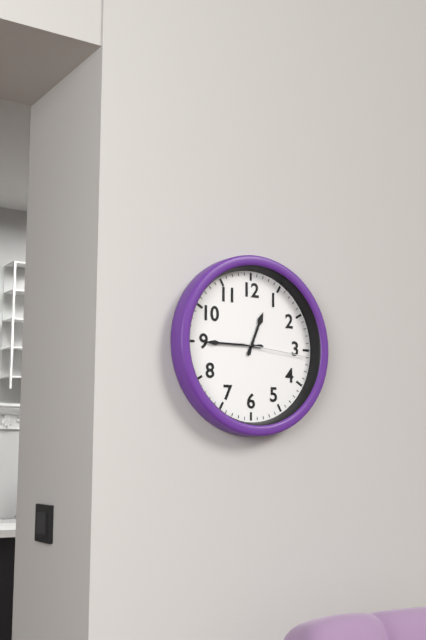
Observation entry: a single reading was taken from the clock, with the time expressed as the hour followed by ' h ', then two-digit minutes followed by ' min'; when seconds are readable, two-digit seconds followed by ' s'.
12 h 45 min 16 s
